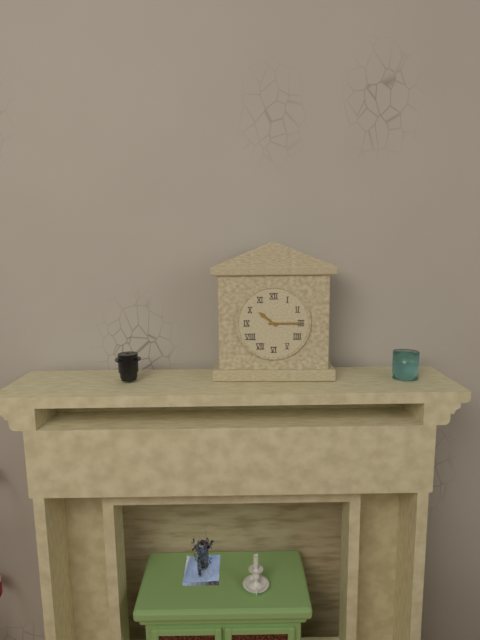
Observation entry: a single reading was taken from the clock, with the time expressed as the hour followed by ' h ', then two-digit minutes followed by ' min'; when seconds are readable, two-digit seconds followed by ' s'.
10 h 15 min
